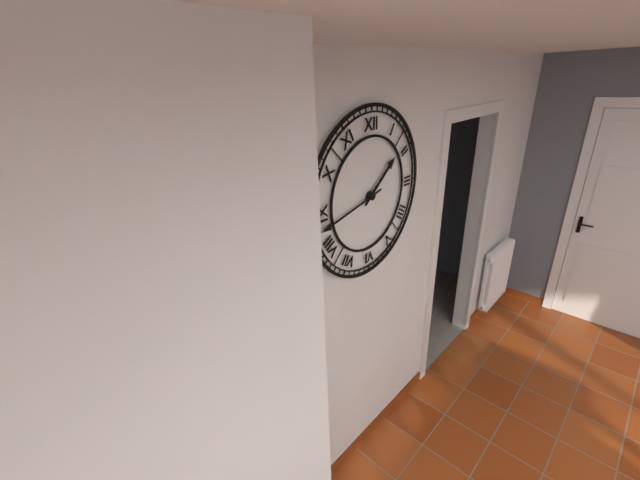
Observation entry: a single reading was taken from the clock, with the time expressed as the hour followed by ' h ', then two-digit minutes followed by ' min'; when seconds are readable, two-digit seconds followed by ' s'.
1 h 43 min
